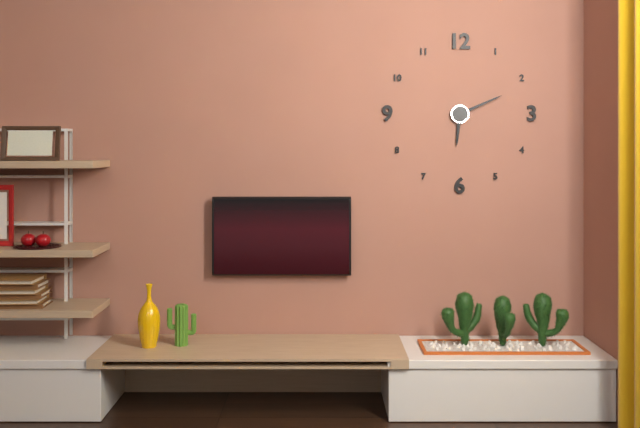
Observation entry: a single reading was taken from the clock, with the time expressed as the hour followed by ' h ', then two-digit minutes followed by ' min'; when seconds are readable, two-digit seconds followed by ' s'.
6 h 11 min
